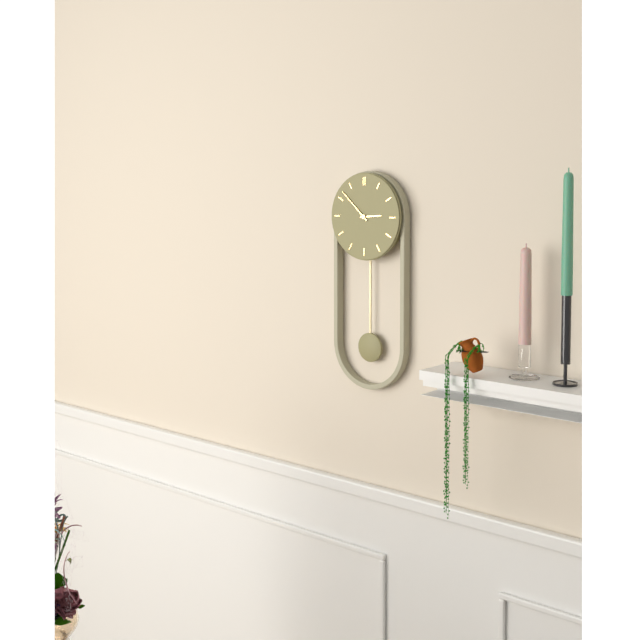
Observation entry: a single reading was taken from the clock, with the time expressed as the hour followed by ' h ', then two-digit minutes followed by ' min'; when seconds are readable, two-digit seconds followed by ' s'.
2 h 52 min
